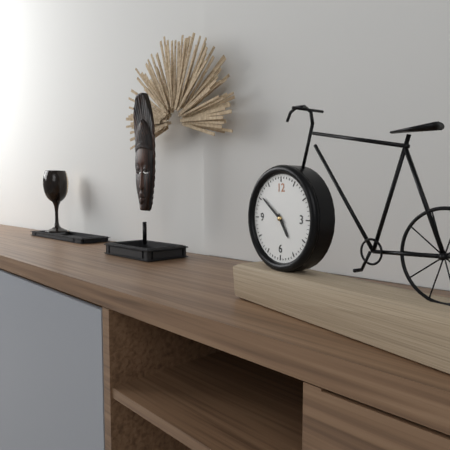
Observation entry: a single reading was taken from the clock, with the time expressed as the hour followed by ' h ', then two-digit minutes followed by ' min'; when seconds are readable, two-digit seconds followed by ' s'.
4 h 51 min
